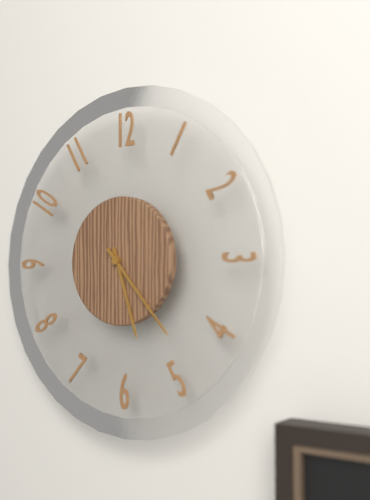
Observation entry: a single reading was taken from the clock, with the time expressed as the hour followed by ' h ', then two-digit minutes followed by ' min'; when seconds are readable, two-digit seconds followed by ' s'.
5 h 23 min
